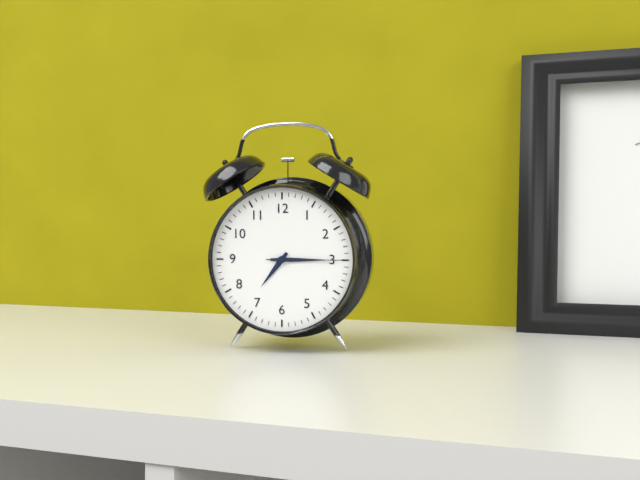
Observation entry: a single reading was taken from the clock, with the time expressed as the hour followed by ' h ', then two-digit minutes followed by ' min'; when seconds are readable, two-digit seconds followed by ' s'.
7 h 15 min 15 s
